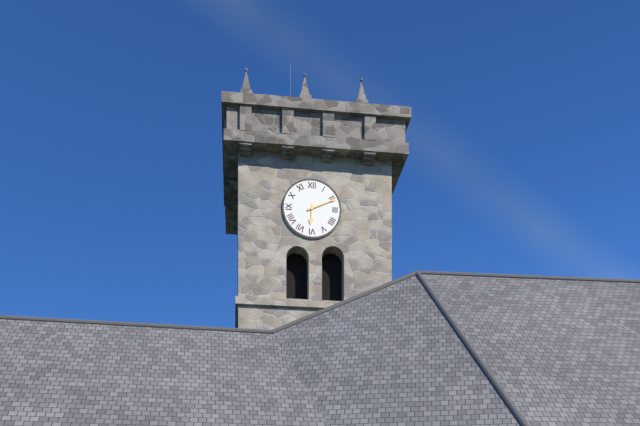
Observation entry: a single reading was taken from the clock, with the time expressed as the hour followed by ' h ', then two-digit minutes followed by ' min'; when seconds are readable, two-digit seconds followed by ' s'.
6 h 11 min
